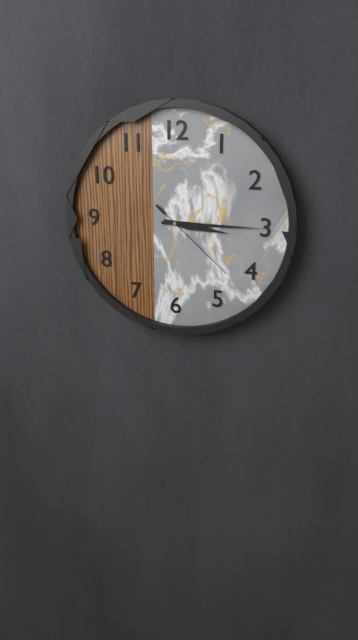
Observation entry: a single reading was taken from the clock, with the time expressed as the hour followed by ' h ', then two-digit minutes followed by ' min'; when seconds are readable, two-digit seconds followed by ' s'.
3 h 15 min 22 s
